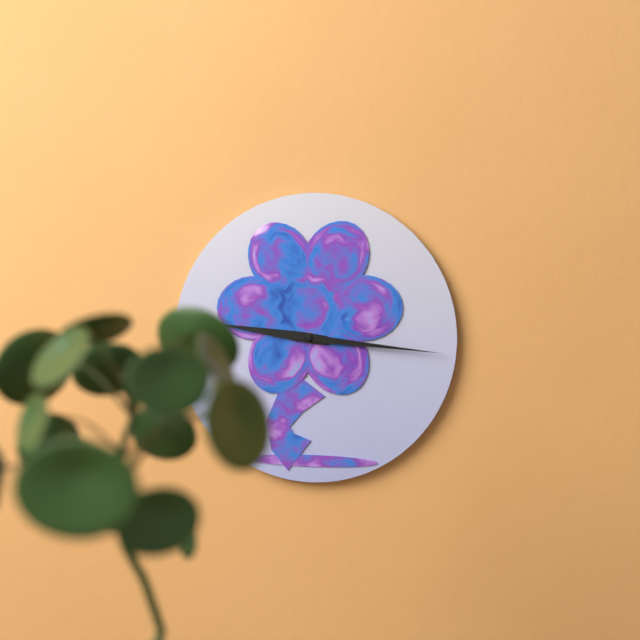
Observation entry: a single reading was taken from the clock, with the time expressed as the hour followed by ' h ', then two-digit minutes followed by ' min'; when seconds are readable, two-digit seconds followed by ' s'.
9 h 16 min
